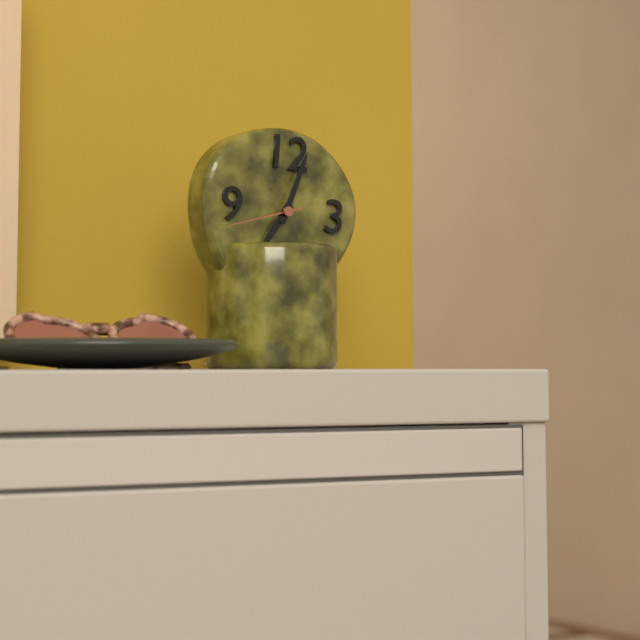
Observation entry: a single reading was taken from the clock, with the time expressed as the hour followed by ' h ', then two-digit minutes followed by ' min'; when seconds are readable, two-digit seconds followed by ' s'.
7 h 03 min 42 s
